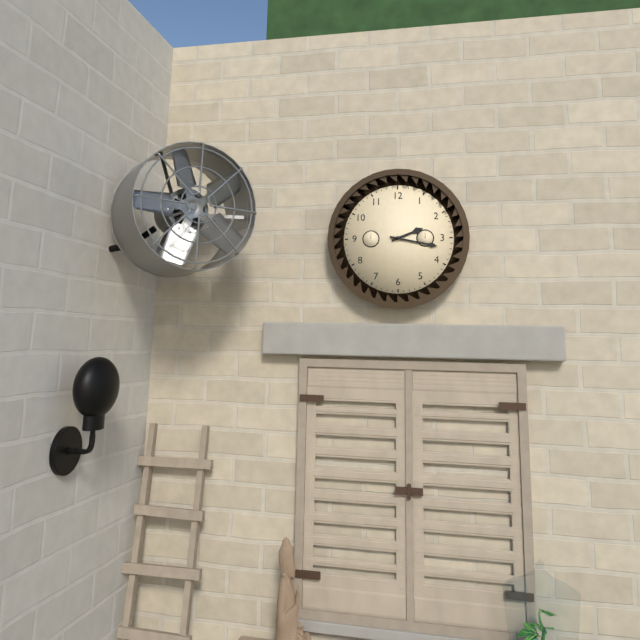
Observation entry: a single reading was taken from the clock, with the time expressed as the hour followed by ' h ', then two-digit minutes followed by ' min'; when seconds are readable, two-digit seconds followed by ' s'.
2 h 17 min
